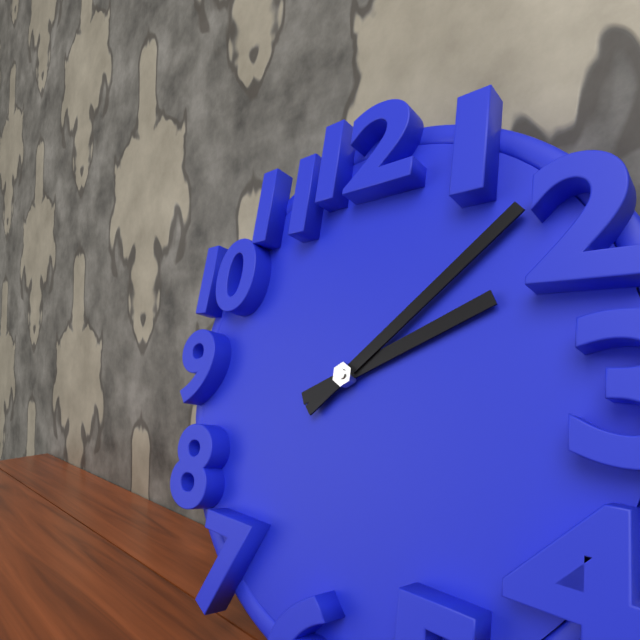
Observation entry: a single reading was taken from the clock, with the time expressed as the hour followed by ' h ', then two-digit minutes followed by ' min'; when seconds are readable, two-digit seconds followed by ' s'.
2 h 08 min
